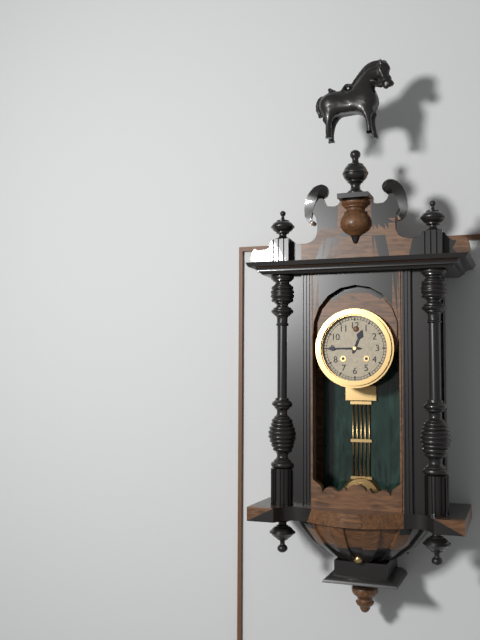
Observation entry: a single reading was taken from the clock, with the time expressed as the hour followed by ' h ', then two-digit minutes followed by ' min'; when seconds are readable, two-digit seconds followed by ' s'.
12 h 45 min
